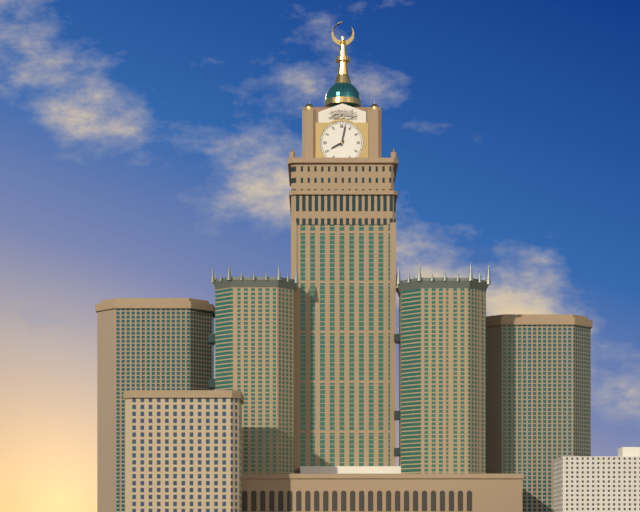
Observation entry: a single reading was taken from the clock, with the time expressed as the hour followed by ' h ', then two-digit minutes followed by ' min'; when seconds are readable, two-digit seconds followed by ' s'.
8 h 02 min
